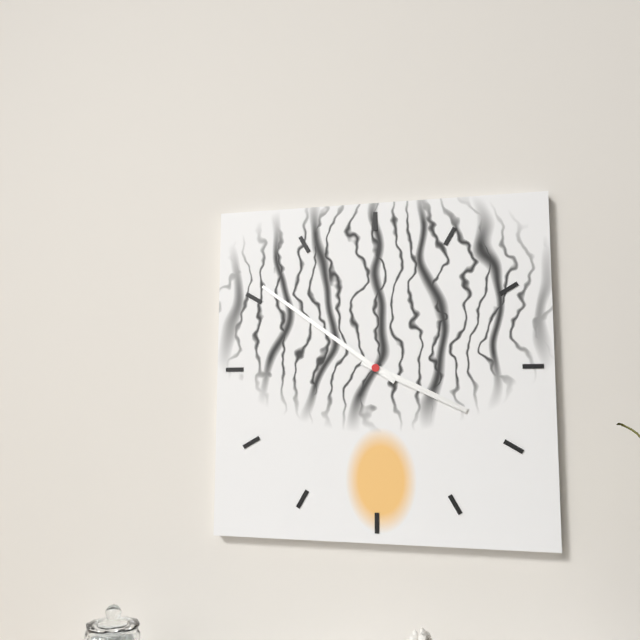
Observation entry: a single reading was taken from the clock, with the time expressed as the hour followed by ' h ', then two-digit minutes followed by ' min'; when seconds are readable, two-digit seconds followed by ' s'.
3 h 51 min
